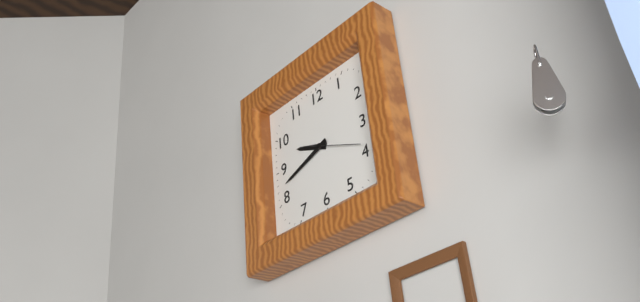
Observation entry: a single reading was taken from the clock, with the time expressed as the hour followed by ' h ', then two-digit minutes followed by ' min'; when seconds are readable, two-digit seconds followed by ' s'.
9 h 42 min 19 s
